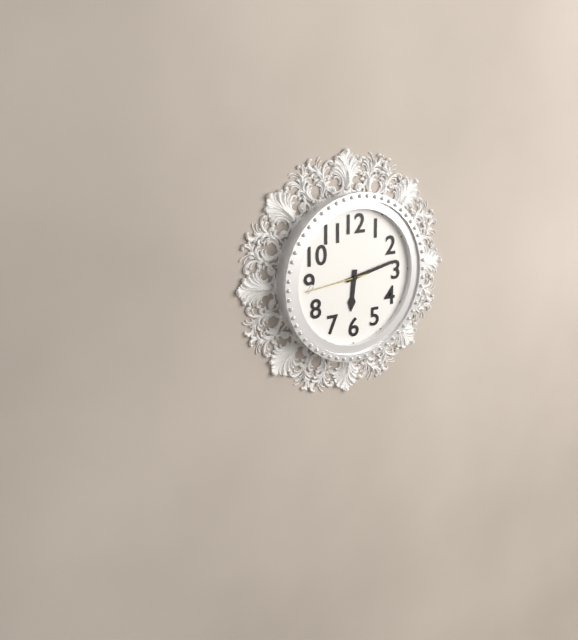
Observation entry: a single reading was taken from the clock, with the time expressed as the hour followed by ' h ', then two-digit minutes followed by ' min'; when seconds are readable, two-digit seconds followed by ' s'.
6 h 13 min 44 s
